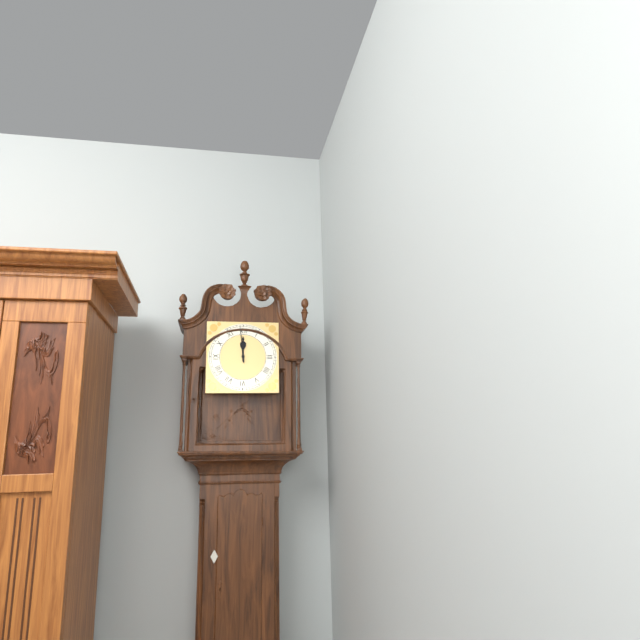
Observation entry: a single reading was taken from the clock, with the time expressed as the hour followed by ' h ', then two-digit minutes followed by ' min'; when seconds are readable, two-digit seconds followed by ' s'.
11 h 59 min
